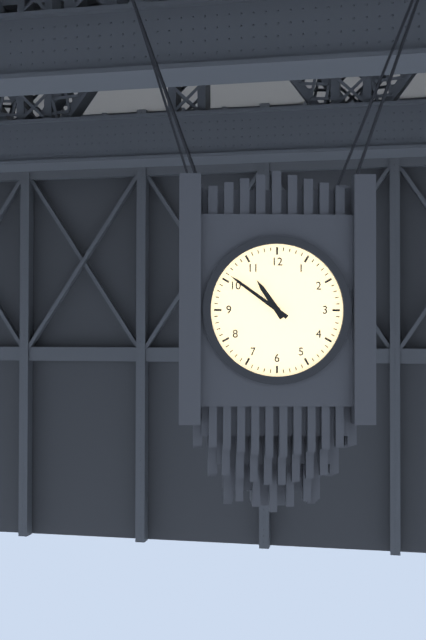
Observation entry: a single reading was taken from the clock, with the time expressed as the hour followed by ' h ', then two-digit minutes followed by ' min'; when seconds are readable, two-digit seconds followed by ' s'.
10 h 51 min
